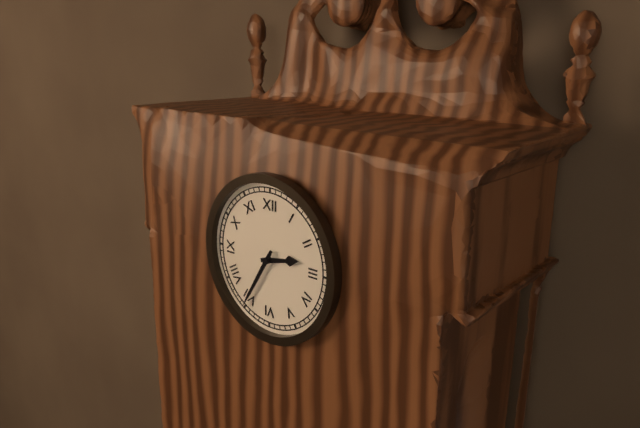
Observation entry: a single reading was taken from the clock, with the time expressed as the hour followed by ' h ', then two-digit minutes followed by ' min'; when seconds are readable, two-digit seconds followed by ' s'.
2 h 35 min
